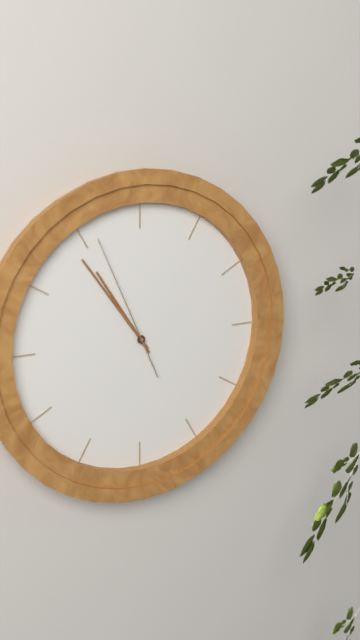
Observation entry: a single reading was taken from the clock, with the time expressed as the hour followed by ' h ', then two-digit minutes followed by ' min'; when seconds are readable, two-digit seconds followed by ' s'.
10 h 54 min 56 s
